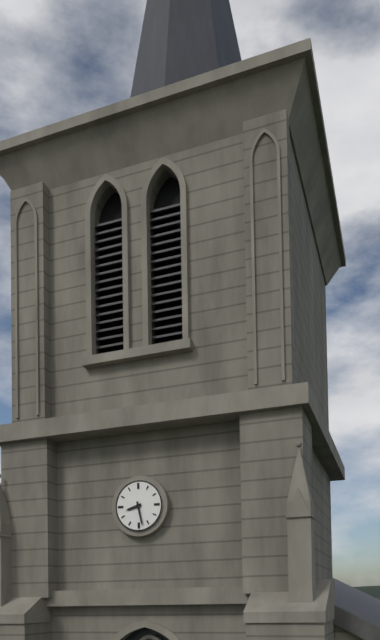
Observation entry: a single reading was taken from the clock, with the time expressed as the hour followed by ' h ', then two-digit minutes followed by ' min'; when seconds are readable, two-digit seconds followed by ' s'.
8 h 28 min
